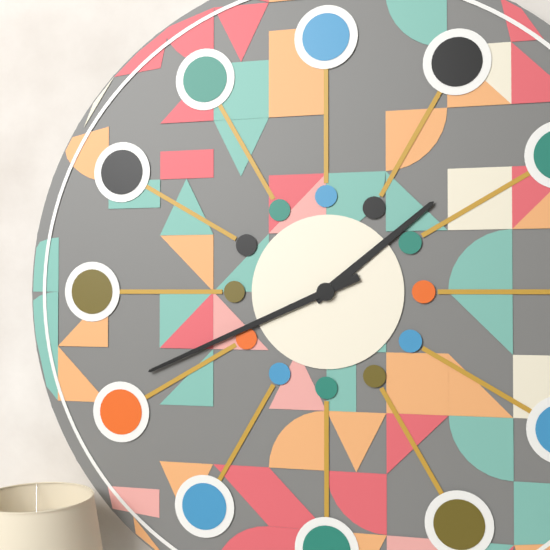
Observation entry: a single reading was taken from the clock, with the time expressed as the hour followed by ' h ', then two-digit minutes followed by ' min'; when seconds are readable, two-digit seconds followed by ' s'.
1 h 41 min
